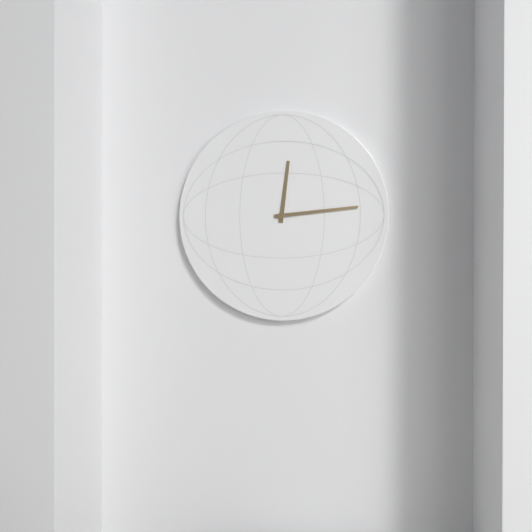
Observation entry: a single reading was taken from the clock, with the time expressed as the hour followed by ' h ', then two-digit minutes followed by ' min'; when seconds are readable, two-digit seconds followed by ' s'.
12 h 14 min
